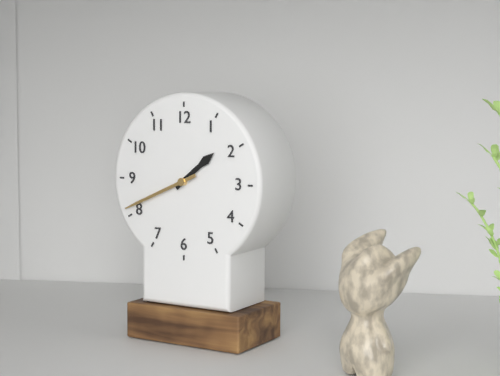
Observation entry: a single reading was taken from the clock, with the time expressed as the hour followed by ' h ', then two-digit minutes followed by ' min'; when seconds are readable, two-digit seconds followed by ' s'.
1 h 41 min
